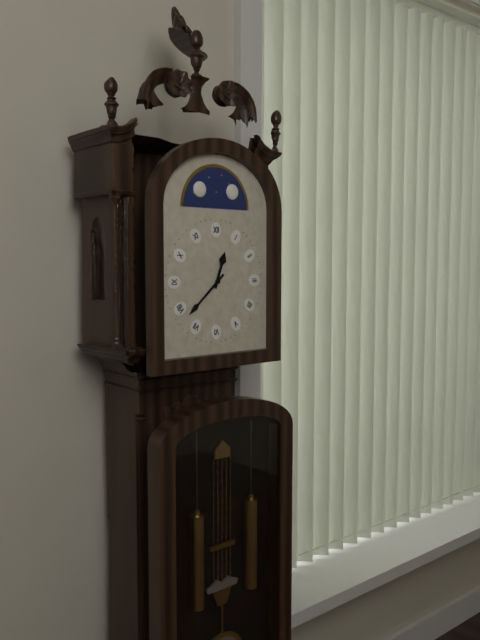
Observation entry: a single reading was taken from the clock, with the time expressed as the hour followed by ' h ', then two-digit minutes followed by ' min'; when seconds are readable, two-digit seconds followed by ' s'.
12 h 38 min
